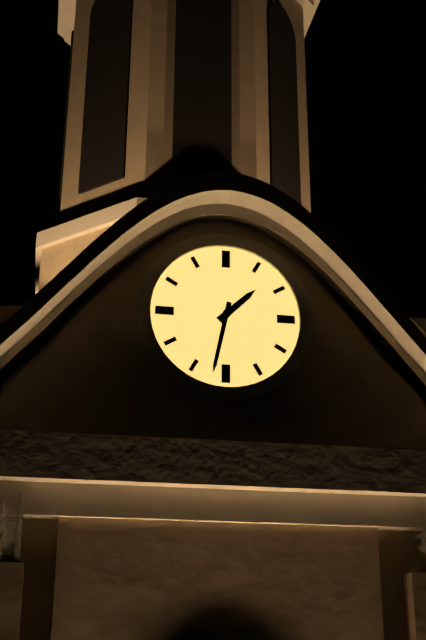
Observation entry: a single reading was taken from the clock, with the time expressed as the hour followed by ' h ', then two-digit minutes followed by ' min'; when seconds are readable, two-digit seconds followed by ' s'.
1 h 32 min
